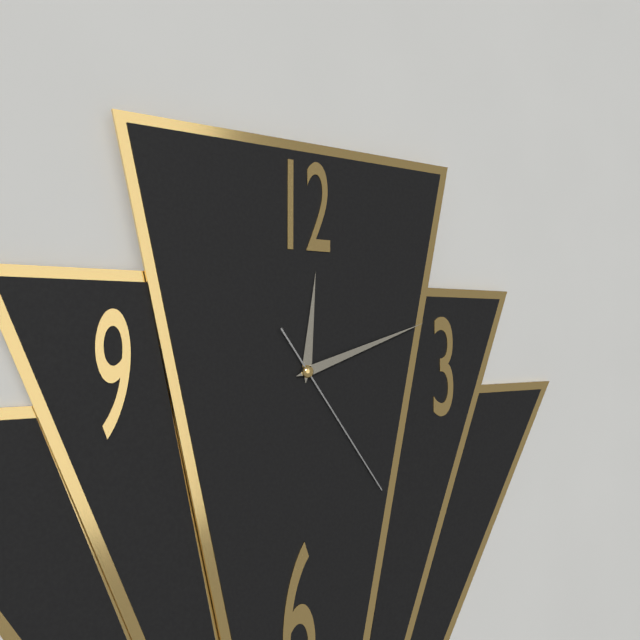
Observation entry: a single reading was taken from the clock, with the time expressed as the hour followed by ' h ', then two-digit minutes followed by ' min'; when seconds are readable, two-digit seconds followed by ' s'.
12 h 12 min 24 s
